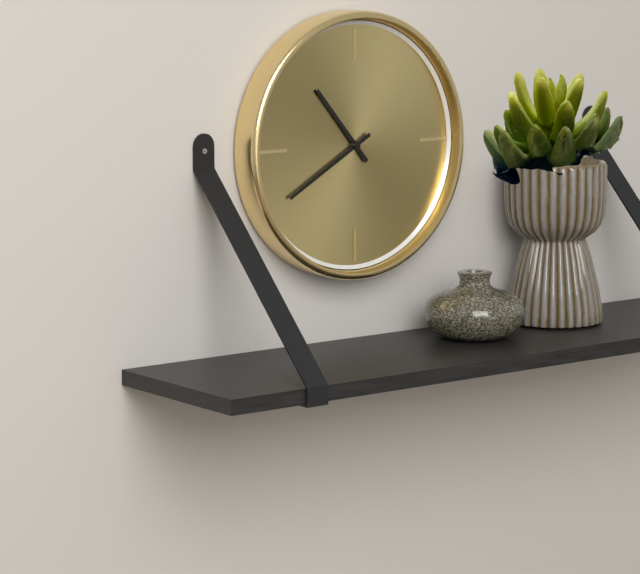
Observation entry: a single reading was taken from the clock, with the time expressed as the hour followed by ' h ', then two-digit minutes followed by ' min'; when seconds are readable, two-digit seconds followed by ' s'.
10 h 40 min
